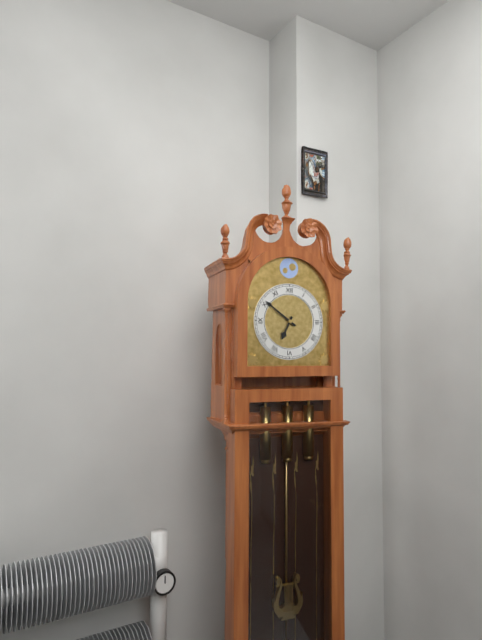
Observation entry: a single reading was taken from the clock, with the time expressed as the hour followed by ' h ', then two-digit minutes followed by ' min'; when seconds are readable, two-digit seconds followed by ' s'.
6 h 51 min
